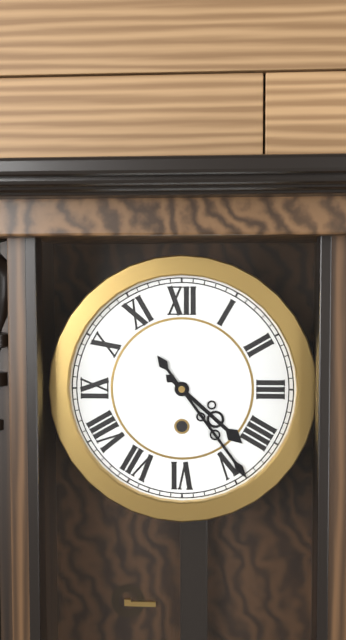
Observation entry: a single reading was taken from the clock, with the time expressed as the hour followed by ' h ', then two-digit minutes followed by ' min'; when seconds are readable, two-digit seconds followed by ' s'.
4 h 24 min
